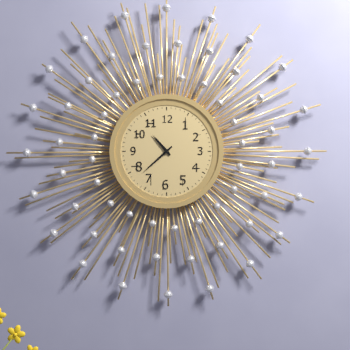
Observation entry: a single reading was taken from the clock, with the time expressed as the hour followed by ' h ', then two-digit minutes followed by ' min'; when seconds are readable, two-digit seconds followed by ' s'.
10 h 38 min
